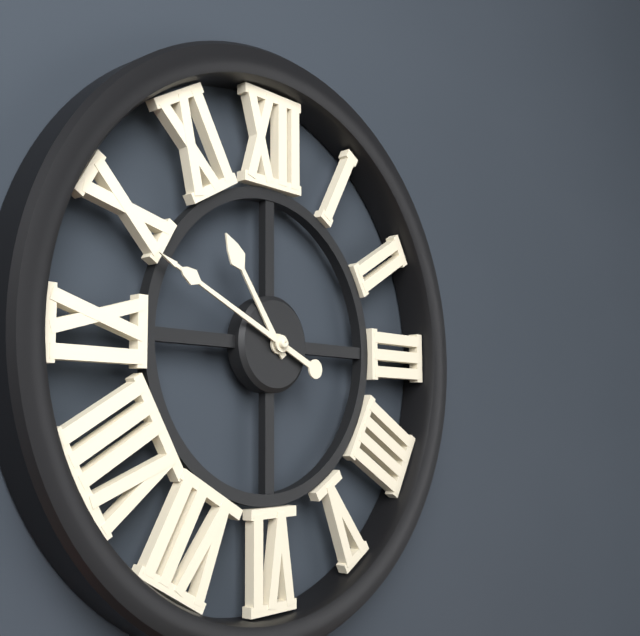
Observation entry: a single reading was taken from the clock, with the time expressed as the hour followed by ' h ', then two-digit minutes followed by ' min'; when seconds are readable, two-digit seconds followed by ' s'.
10 h 49 min
